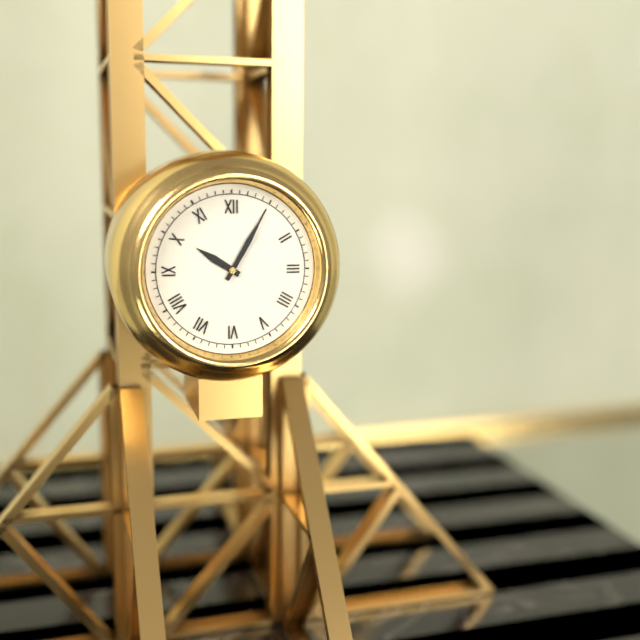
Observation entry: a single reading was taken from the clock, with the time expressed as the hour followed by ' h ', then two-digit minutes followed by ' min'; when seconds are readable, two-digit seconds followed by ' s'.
10 h 05 min
